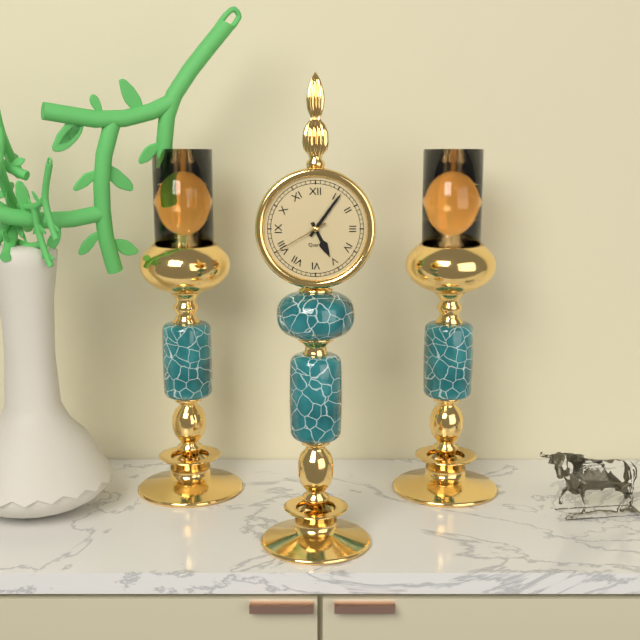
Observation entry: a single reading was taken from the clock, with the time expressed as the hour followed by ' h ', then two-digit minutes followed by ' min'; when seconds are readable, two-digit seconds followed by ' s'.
5 h 06 min 40 s
